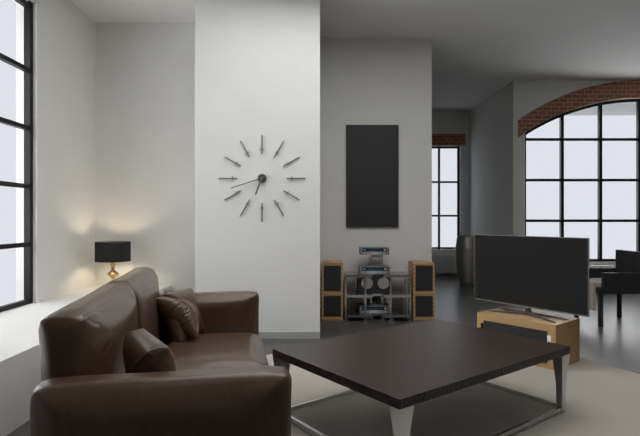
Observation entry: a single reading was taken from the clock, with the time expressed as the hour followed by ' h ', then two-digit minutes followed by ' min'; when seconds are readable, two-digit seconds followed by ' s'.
6 h 42 min
